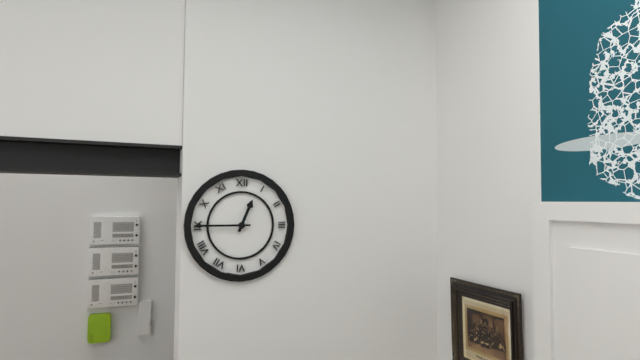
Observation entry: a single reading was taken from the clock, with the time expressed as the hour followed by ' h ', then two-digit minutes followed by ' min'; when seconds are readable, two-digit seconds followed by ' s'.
12 h 45 min
